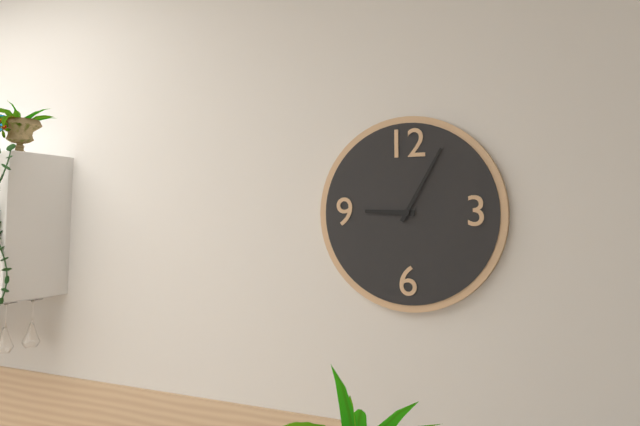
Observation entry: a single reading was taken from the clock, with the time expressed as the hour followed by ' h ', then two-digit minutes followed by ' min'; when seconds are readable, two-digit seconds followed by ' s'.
9 h 05 min
